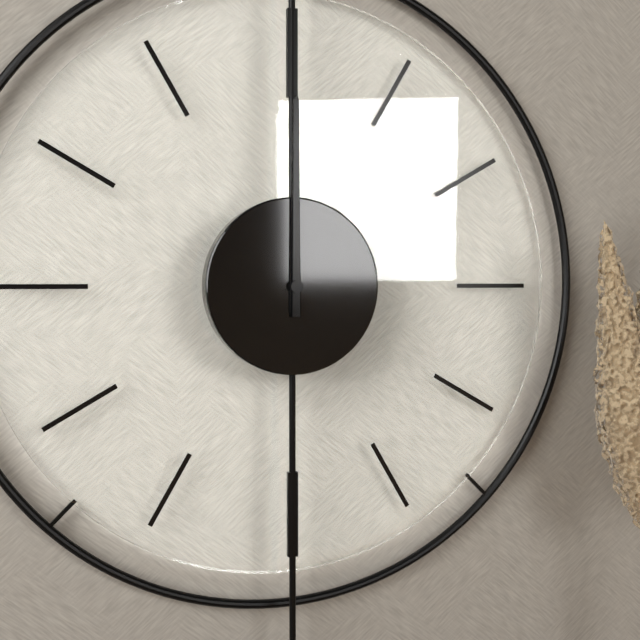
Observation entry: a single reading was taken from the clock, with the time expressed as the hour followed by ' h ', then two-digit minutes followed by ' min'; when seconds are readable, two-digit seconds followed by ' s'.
12 h 00 min
